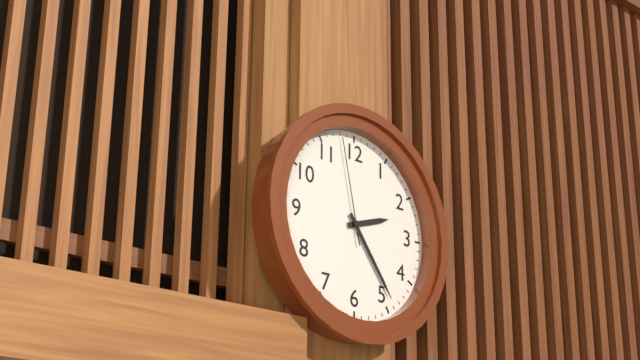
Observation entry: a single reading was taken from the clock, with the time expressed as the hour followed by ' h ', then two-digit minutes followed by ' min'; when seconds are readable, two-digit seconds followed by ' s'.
2 h 24 min 58 s
